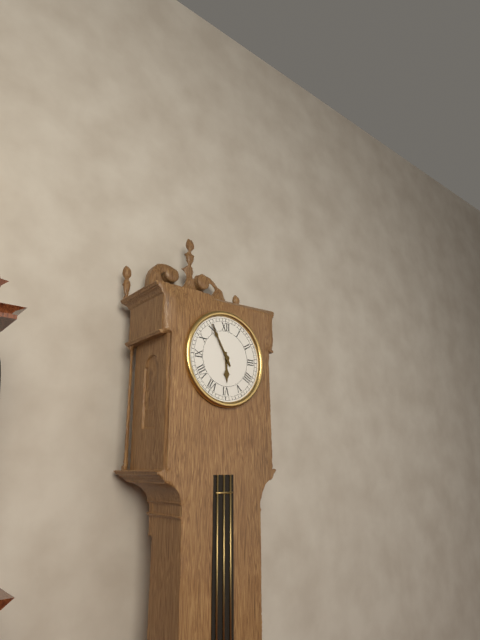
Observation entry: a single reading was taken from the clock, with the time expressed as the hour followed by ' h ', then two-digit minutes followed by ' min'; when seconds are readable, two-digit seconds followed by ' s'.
5 h 55 min
